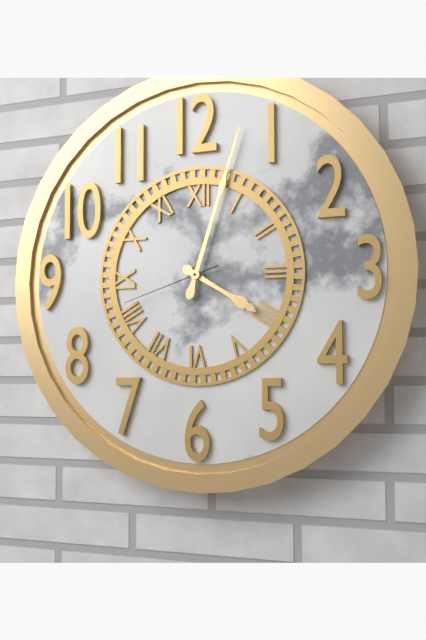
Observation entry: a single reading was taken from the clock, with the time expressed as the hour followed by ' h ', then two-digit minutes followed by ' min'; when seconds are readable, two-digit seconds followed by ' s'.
4 h 03 min 42 s
